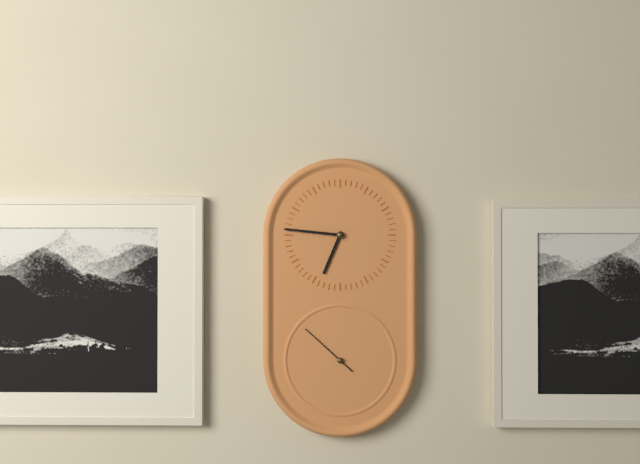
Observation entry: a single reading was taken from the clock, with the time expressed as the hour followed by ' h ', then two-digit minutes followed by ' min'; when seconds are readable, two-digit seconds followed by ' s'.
6 h 46 min 52 s
